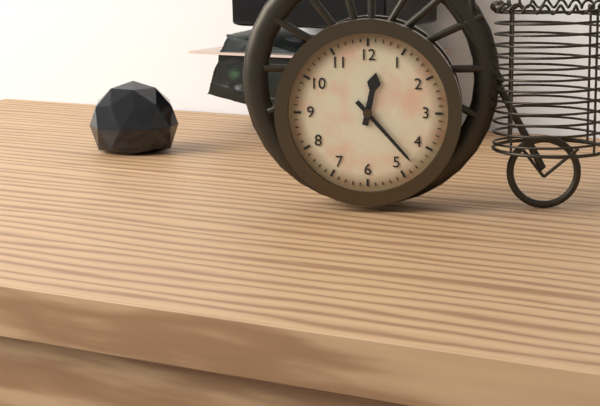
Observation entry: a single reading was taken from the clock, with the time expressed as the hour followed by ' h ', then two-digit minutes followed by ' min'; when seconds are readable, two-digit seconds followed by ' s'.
12 h 23 min
